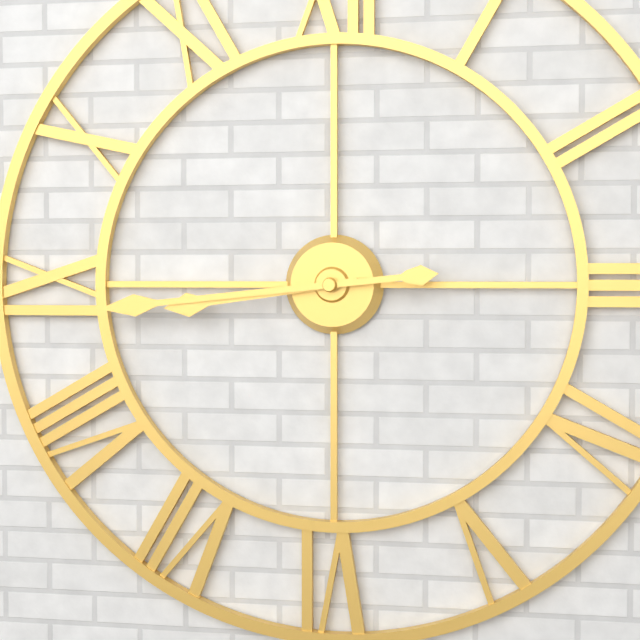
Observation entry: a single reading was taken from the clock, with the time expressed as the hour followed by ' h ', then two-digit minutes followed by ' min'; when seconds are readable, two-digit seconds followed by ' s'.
8 h 44 min
